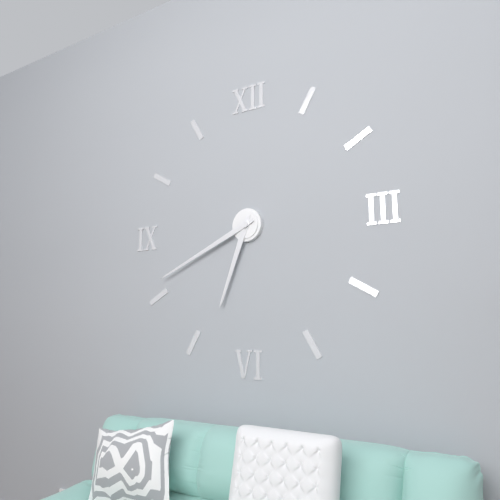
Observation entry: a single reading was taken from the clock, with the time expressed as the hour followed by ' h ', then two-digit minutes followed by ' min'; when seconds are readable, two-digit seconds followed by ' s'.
6 h 41 min
